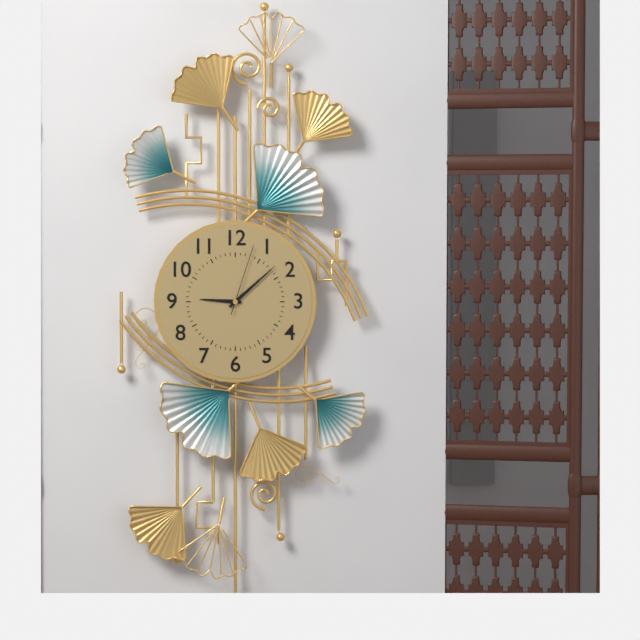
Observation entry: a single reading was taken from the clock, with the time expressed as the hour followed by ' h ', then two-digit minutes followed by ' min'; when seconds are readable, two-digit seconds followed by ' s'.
9 h 08 min 03 s
